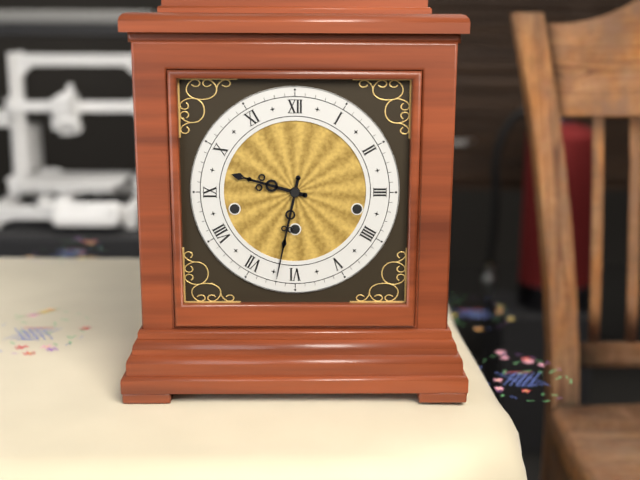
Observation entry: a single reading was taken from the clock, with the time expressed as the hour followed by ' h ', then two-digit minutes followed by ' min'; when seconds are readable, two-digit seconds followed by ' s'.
9 h 32 min
